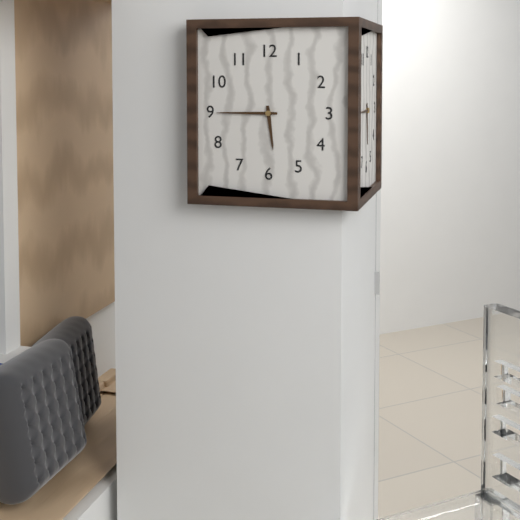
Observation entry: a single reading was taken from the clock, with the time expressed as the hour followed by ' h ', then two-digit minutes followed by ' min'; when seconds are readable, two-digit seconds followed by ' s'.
5 h 45 min
